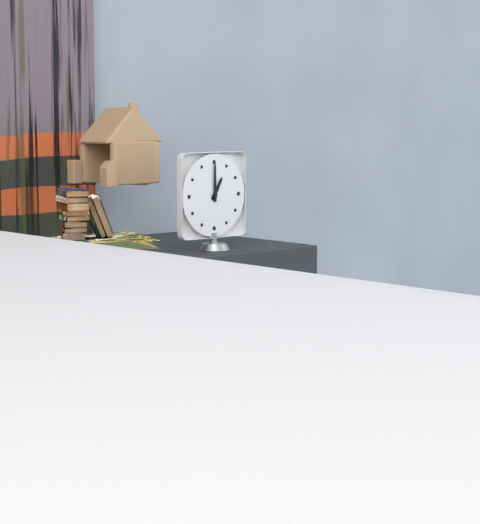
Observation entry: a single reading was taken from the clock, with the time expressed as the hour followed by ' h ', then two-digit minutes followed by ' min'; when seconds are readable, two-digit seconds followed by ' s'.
1 h 00 min
